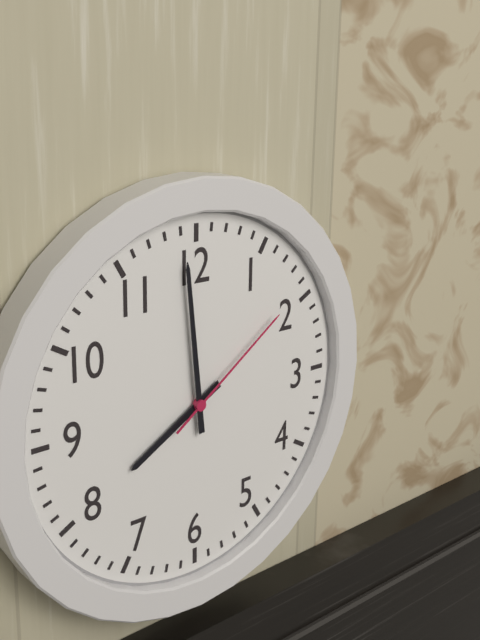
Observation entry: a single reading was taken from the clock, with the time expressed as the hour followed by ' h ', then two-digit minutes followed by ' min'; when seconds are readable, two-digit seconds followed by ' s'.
7 h 59 min 09 s
